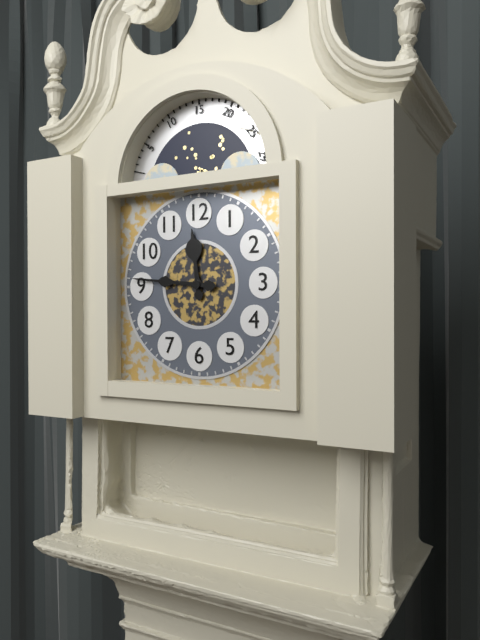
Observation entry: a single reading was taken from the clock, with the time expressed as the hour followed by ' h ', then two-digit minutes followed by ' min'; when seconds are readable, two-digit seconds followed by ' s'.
11 h 46 min
